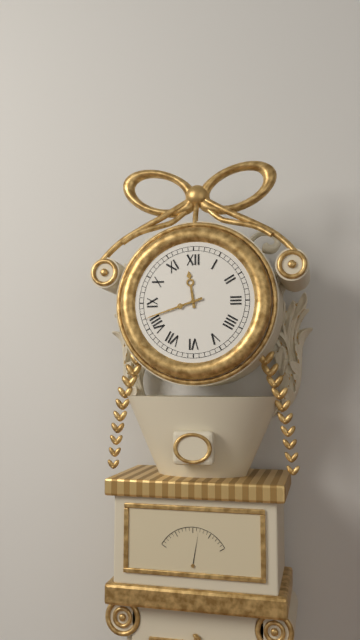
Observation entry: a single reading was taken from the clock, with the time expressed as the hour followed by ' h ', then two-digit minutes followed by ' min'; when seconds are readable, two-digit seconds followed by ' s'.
11 h 42 min
